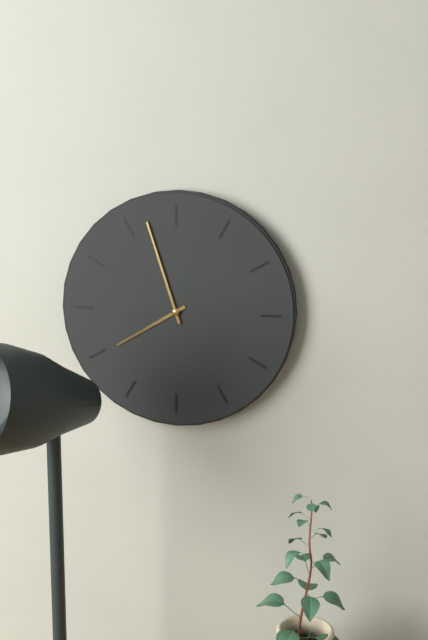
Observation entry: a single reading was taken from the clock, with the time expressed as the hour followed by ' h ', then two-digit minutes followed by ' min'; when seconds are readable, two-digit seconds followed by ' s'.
7 h 57 min
